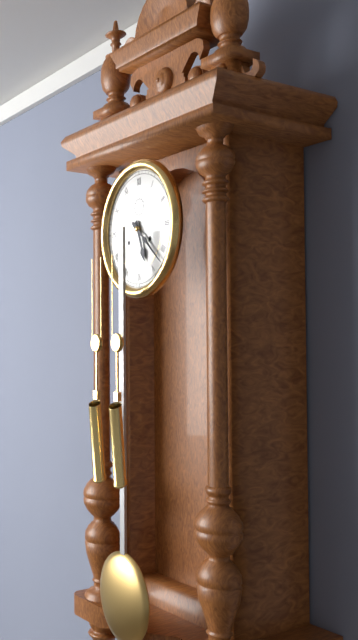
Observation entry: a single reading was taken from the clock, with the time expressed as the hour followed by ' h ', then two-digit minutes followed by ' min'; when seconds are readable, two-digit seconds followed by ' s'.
5 h 22 min
